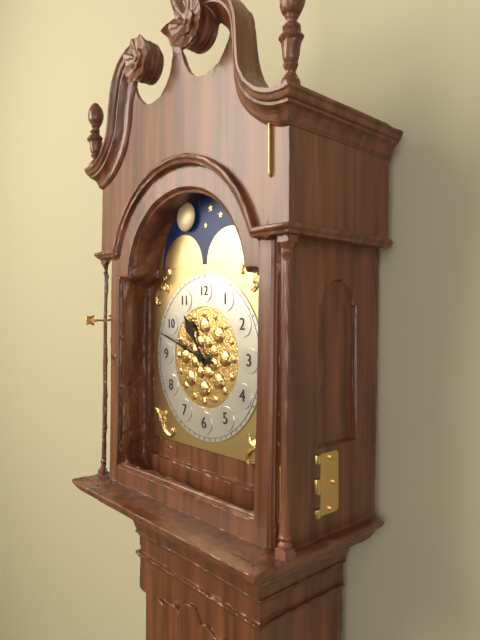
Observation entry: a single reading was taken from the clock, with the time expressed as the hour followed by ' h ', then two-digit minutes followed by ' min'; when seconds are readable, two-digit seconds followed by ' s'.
10 h 48 min
